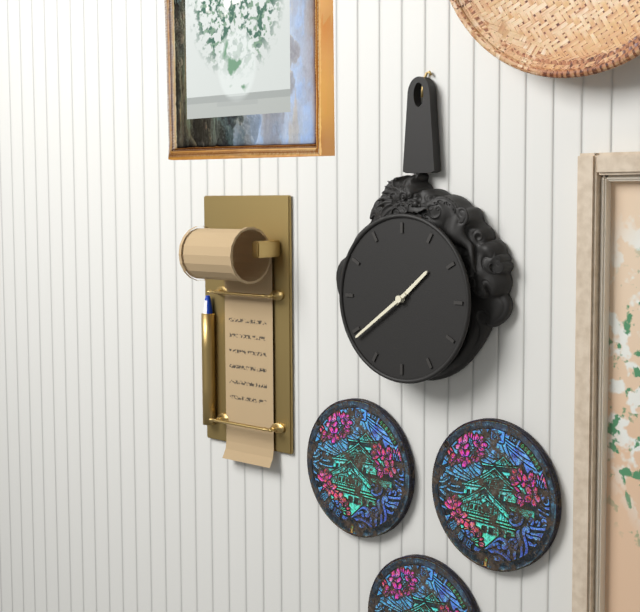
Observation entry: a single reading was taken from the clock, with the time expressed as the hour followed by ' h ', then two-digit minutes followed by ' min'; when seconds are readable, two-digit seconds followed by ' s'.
1 h 39 min
